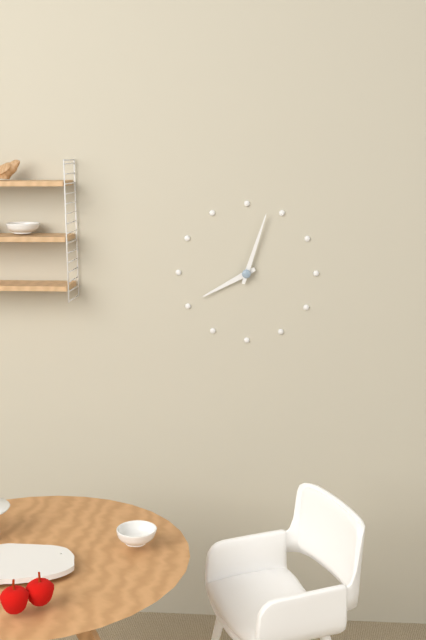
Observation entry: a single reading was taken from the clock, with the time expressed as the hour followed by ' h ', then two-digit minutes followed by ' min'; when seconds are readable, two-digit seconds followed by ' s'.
8 h 03 min
